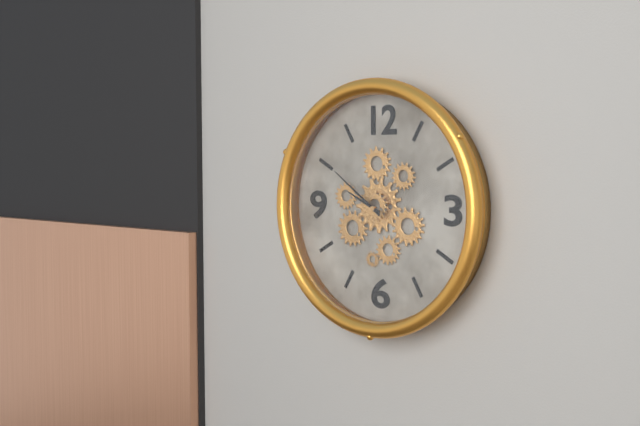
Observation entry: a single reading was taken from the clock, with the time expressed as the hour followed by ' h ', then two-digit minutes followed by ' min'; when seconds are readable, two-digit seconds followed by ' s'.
9 h 51 min
